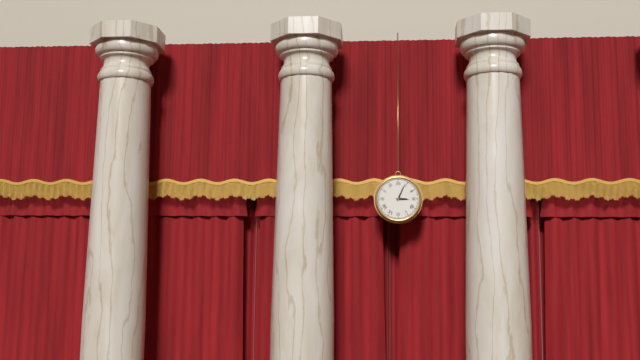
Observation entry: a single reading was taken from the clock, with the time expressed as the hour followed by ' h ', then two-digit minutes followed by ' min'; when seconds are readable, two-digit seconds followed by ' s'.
3 h 04 min
